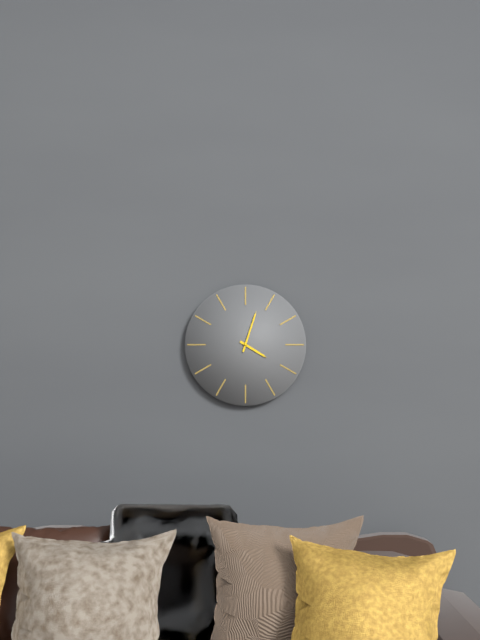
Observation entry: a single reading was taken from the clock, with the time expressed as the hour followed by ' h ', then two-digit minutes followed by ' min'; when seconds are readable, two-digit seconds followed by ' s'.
4 h 03 min
